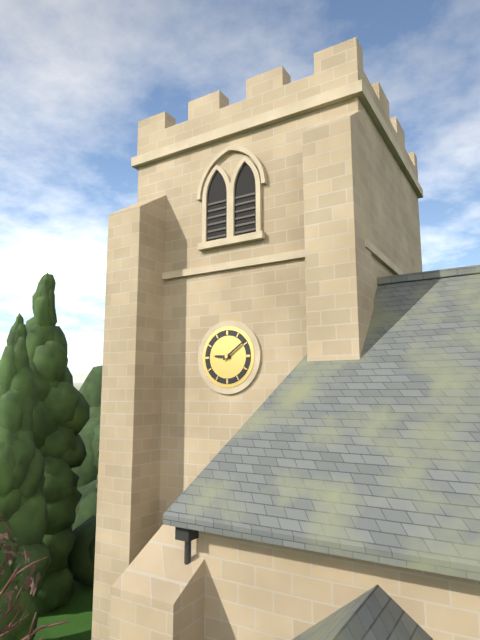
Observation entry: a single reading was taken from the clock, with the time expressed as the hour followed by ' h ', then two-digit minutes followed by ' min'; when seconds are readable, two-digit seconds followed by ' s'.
9 h 09 min
